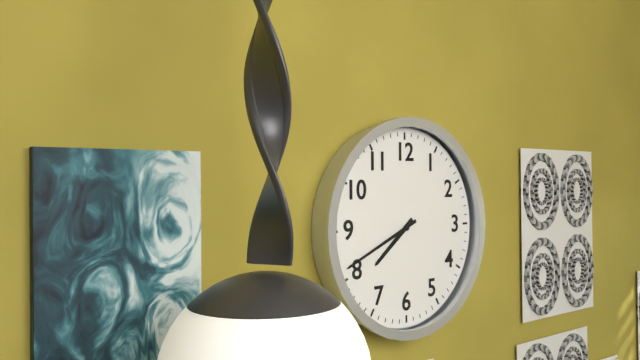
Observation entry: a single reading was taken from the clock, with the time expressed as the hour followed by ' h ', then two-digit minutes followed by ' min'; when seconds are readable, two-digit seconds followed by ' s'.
7 h 41 min
